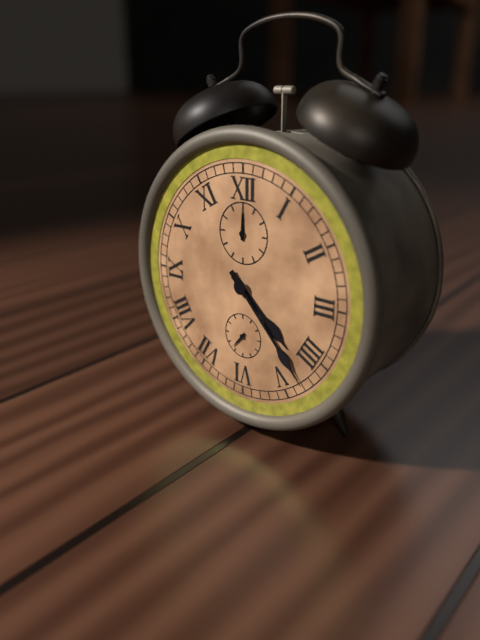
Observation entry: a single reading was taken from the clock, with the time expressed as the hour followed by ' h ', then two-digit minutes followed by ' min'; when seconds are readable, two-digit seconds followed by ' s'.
4 h 23 min
